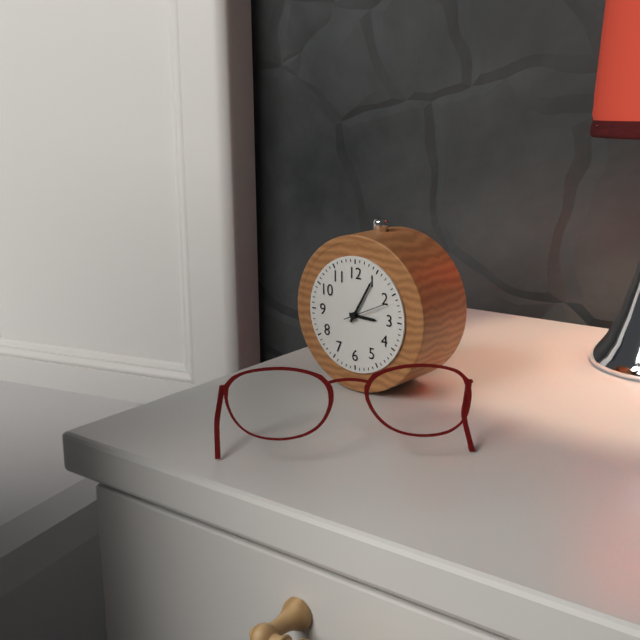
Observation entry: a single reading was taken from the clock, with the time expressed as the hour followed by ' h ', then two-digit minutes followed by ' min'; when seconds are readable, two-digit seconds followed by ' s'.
3 h 05 min
